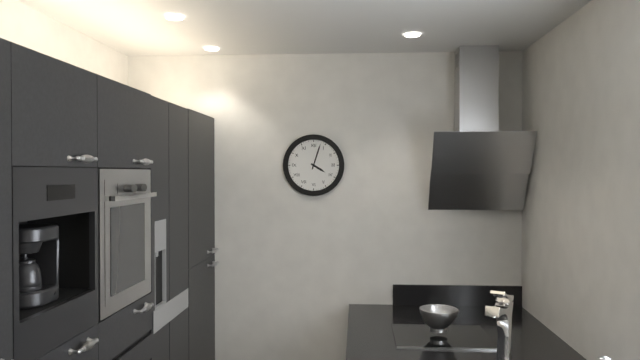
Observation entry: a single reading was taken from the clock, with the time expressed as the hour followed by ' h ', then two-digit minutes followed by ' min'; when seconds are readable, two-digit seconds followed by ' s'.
4 h 03 min
